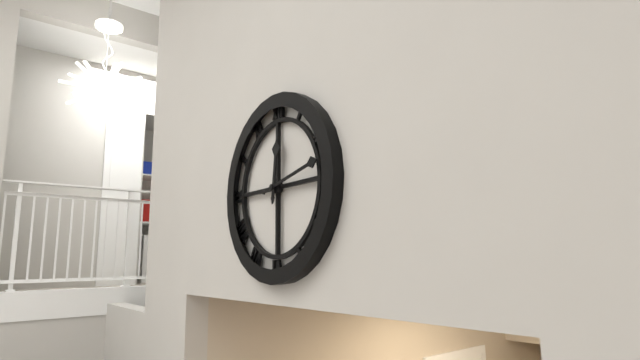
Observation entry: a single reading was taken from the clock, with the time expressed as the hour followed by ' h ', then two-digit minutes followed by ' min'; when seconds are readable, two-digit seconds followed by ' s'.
12 h 13 min
